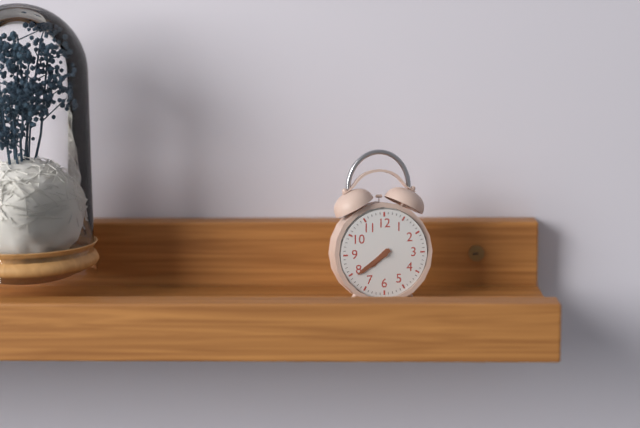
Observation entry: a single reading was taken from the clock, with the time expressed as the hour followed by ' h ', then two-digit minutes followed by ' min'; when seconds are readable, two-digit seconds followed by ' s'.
7 h 39 min
